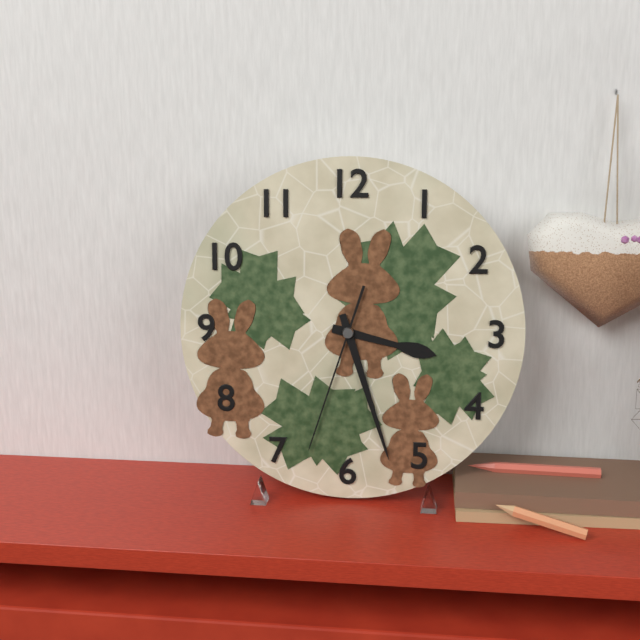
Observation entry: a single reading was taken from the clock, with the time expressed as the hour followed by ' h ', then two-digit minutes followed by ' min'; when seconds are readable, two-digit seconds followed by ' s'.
3 h 27 min 33 s
